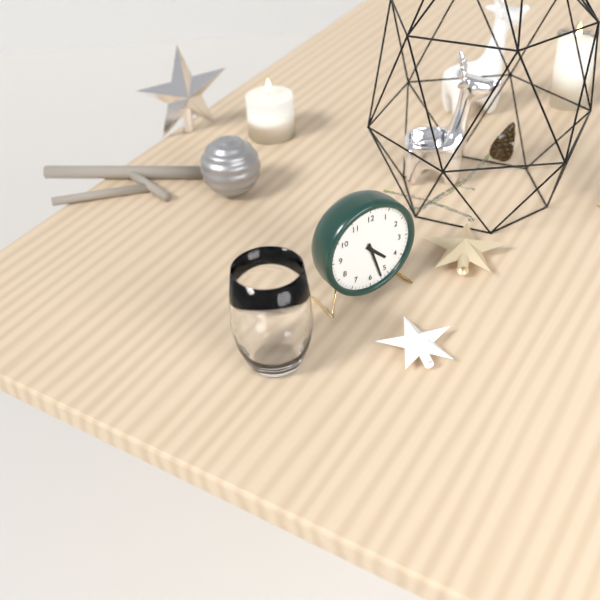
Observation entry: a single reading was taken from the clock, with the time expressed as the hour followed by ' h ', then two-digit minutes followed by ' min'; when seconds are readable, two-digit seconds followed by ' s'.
4 h 27 min
